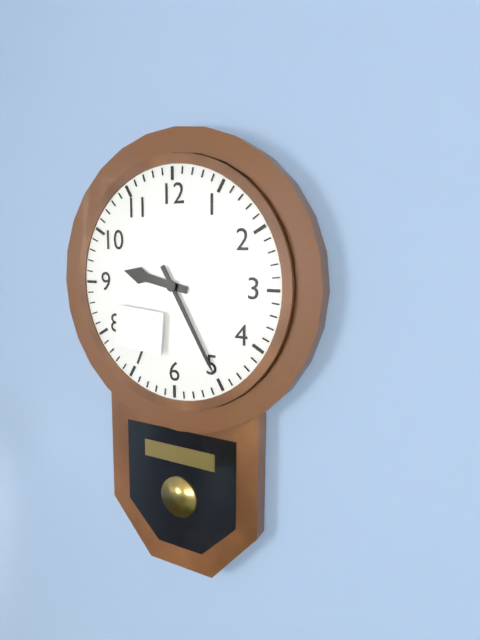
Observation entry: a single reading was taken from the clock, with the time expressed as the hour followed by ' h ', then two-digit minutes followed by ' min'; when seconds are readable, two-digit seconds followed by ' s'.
9 h 25 min
